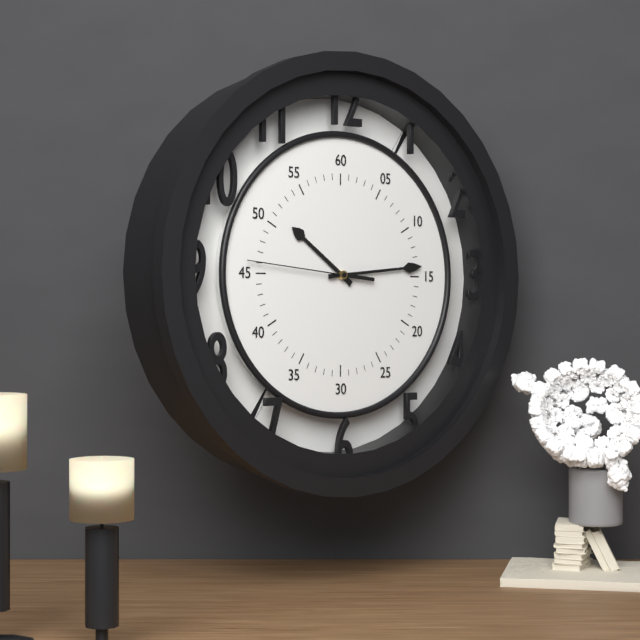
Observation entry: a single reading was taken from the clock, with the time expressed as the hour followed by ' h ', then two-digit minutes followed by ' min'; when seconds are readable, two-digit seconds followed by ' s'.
10 h 14 min 46 s
